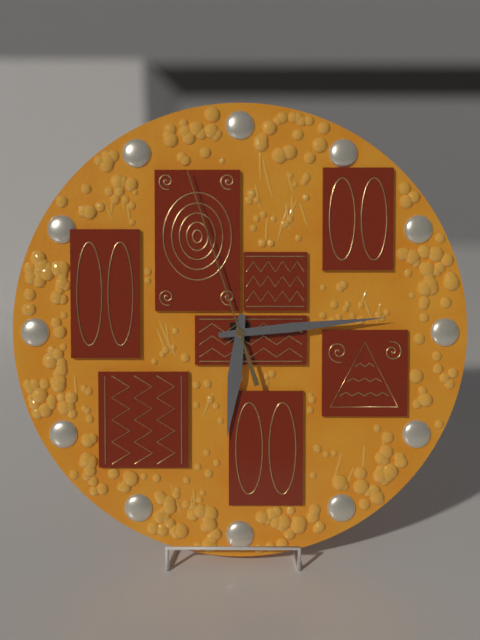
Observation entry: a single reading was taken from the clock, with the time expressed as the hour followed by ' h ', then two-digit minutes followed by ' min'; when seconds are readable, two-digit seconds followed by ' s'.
6 h 14 min 57 s
